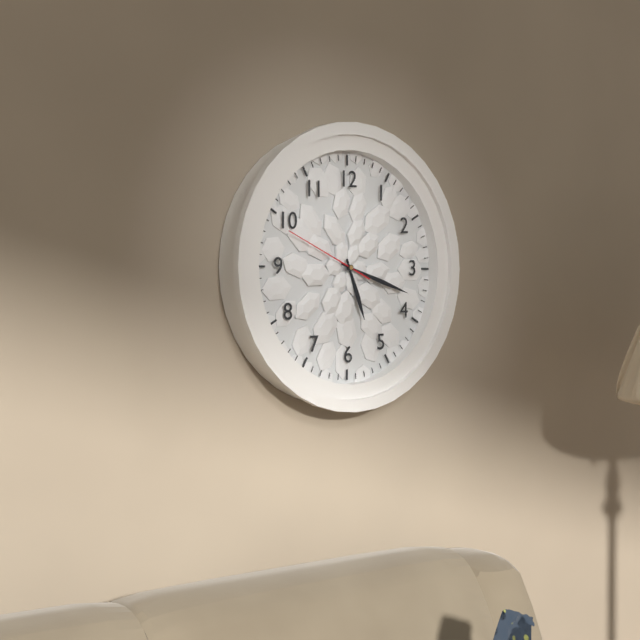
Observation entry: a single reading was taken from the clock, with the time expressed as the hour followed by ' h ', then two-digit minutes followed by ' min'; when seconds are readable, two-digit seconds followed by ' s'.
5 h 18 min 49 s
